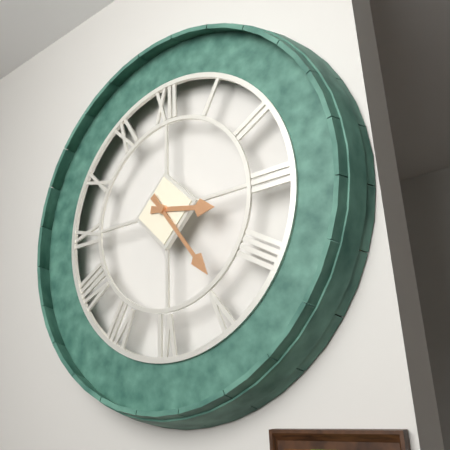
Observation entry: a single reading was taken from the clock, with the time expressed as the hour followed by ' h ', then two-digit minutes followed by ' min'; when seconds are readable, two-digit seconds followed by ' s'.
3 h 24 min
